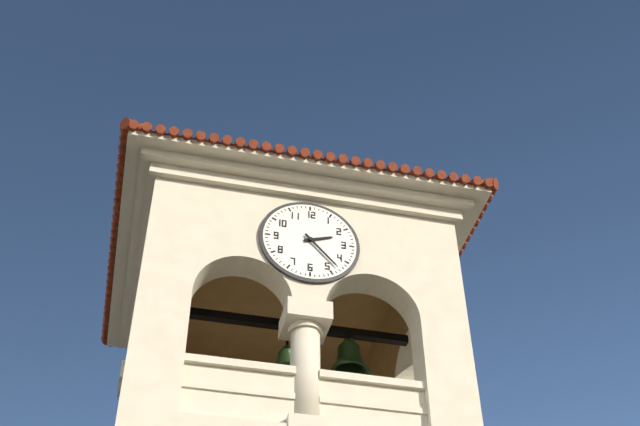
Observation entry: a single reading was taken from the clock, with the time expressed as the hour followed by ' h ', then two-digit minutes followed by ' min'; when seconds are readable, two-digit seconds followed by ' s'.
2 h 23 min
